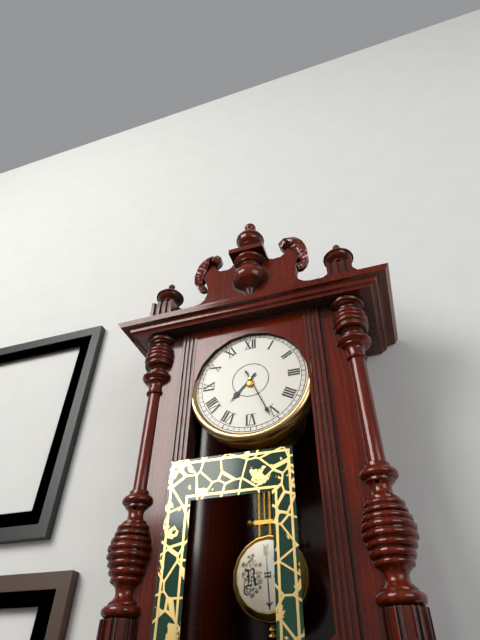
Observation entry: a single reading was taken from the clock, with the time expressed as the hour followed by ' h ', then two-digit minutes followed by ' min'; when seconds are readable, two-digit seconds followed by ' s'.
7 h 26 min
